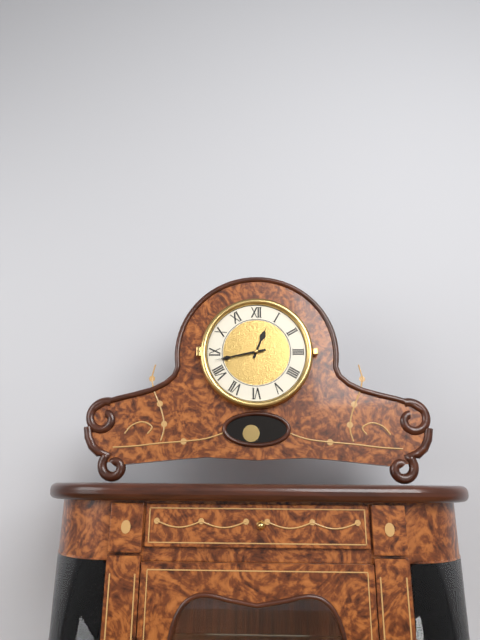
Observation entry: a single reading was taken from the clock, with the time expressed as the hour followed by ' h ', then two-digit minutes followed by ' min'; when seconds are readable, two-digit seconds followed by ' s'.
12 h 43 min
